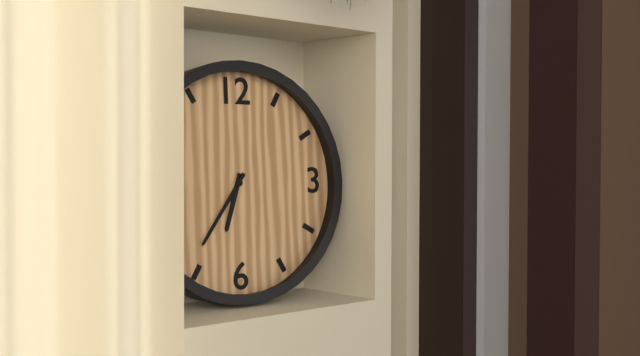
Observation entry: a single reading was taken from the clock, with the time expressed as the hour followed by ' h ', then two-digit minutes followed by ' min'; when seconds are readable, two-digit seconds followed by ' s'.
6 h 36 min
